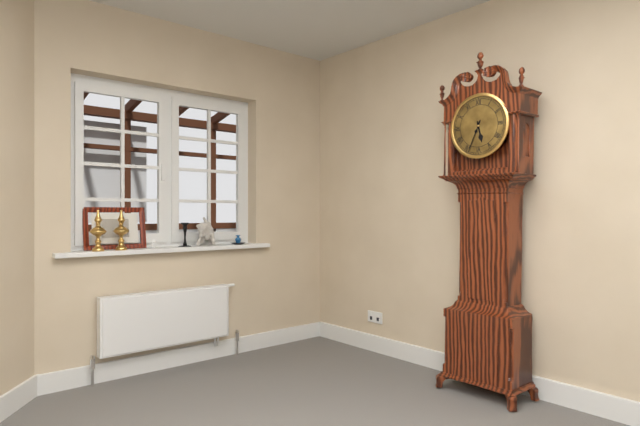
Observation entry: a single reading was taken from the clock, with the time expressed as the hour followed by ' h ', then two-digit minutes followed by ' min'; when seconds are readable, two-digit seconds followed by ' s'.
5 h 34 min
